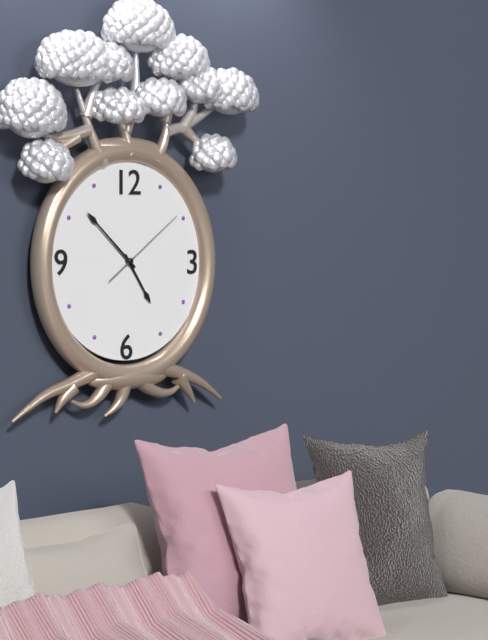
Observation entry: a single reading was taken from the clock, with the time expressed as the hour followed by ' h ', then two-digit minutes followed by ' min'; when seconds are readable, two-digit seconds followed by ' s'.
4 h 52 min 09 s
